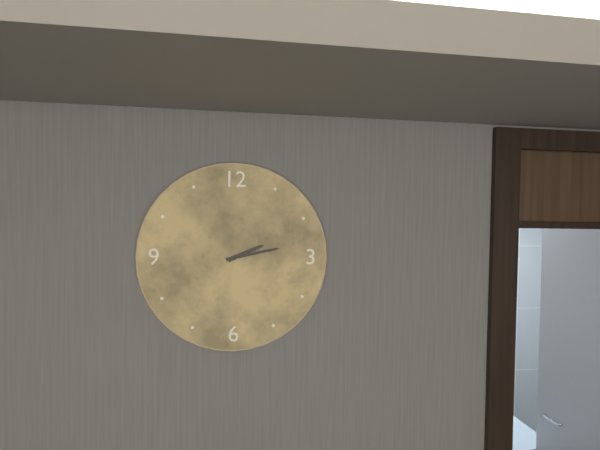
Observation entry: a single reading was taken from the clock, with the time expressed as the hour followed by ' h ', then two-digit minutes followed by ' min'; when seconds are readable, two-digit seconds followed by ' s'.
2 h 13 min
